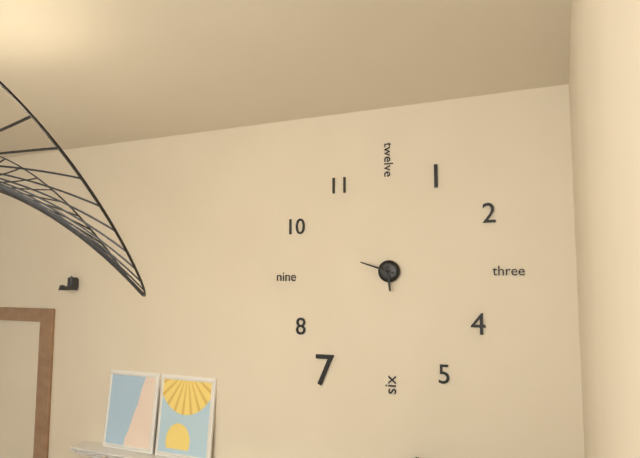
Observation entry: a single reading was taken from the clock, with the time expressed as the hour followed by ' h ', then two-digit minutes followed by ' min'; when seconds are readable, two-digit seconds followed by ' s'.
5 h 48 min
